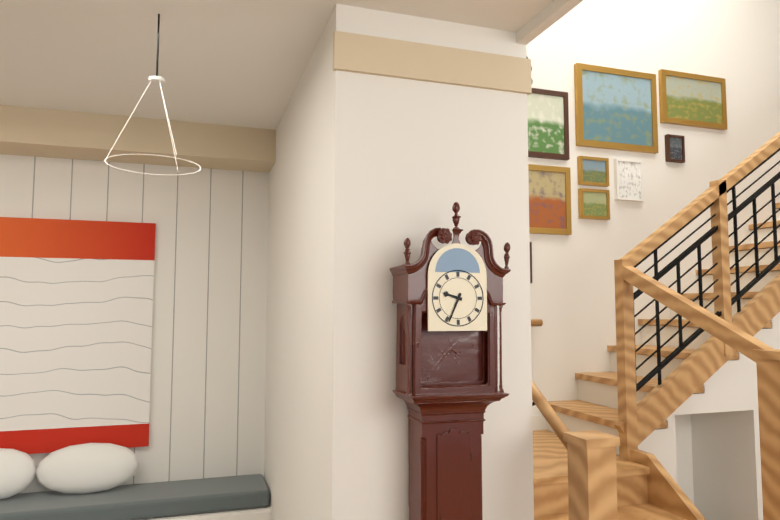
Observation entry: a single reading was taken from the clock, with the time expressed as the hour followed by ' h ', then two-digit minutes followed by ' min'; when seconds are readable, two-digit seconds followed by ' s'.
9 h 34 min
